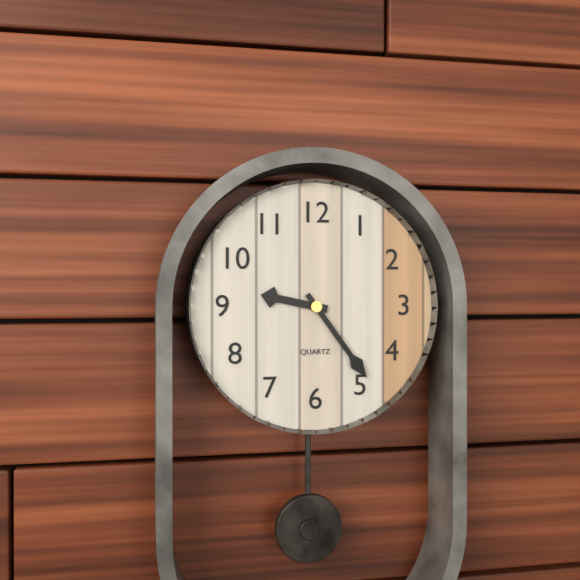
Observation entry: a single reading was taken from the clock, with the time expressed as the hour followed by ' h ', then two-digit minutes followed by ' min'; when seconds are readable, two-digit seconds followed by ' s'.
9 h 24 min
